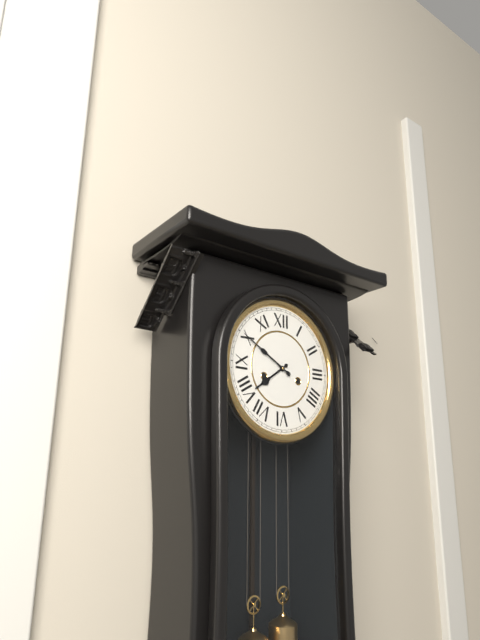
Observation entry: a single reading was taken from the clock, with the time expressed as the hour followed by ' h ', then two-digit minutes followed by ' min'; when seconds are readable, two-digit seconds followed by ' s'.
7 h 50 min
